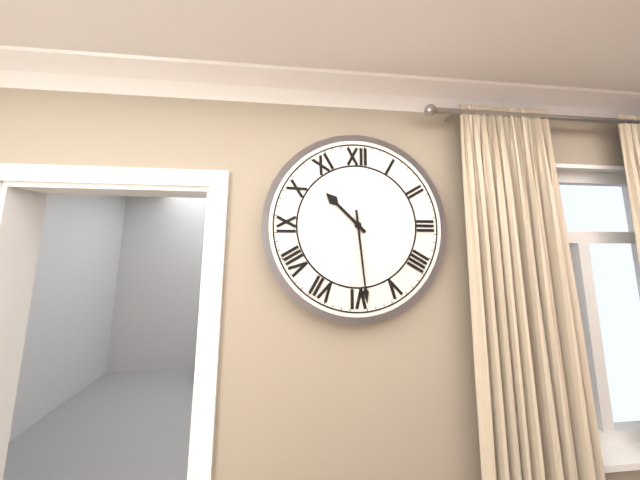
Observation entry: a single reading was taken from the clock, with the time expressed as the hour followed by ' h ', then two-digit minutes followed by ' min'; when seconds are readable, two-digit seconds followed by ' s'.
10 h 29 min
